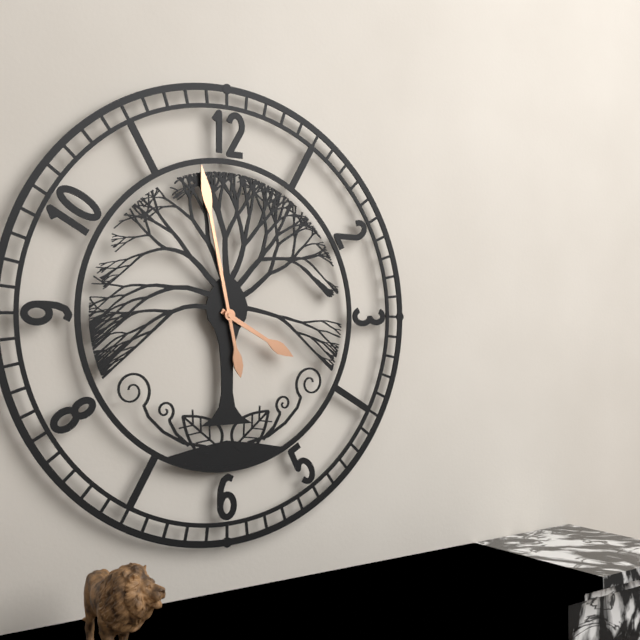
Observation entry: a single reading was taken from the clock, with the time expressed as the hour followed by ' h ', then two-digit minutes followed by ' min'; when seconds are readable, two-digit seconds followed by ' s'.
3 h 58 min
